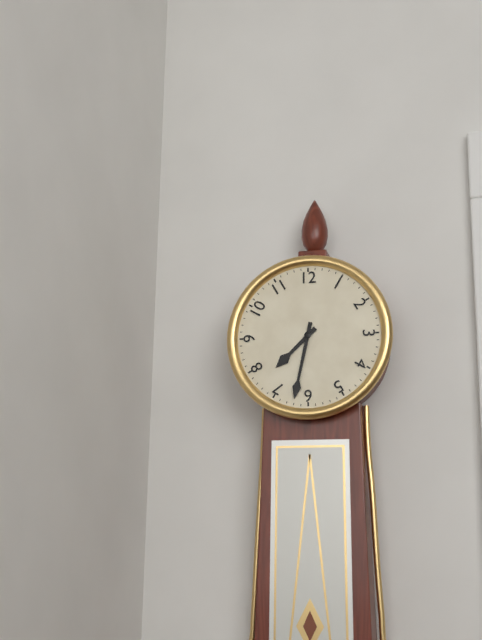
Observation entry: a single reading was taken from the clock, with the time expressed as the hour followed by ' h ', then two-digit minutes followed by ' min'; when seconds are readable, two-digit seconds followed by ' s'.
7 h 32 min
